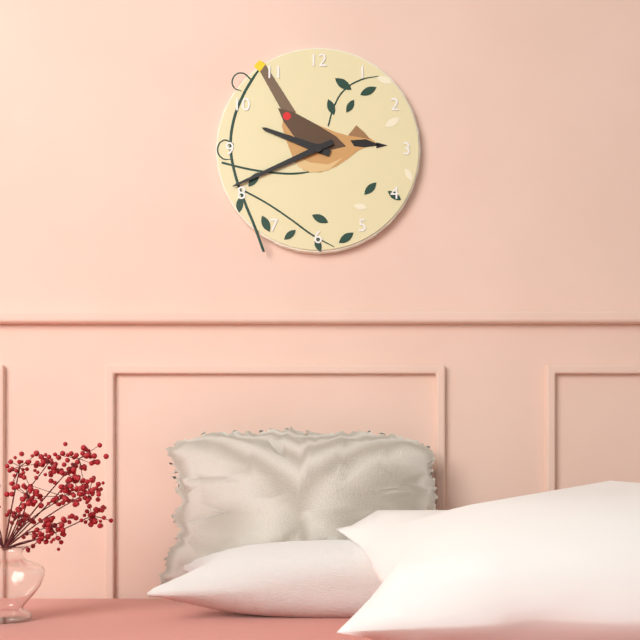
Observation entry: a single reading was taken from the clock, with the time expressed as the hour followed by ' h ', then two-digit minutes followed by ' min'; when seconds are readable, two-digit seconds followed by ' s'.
9 h 41 min
